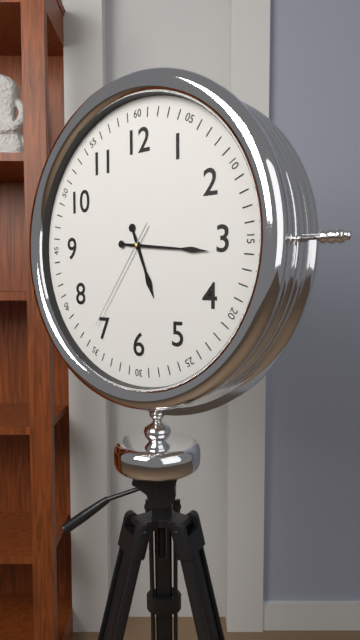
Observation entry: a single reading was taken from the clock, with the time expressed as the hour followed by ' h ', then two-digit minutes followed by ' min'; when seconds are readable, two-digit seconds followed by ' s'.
5 h 16 min 36 s
